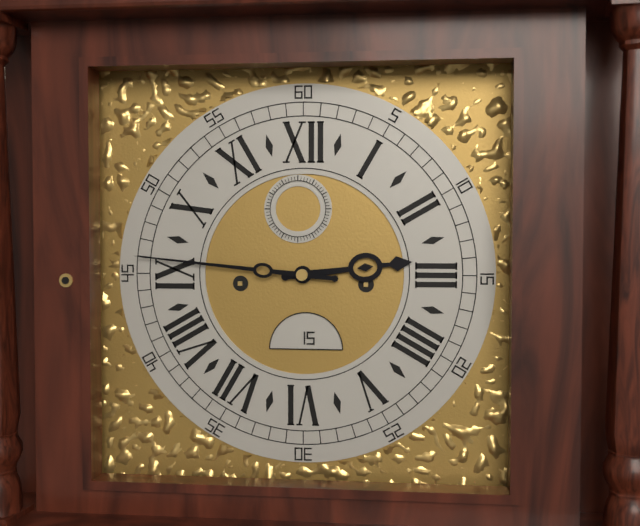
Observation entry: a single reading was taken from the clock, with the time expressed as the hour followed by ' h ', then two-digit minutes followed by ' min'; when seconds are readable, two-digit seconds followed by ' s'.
2 h 46 min
